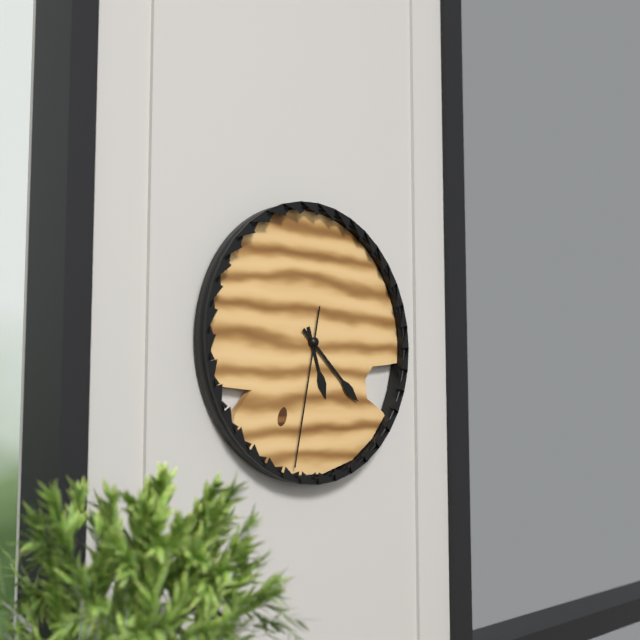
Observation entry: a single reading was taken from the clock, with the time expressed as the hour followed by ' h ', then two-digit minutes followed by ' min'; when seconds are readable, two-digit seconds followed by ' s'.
5 h 22 min 32 s
